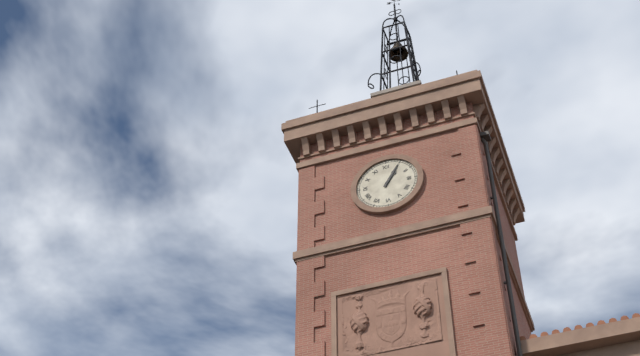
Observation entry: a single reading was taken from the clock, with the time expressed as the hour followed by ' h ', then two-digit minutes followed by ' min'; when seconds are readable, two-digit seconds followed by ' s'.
1 h 05 min
